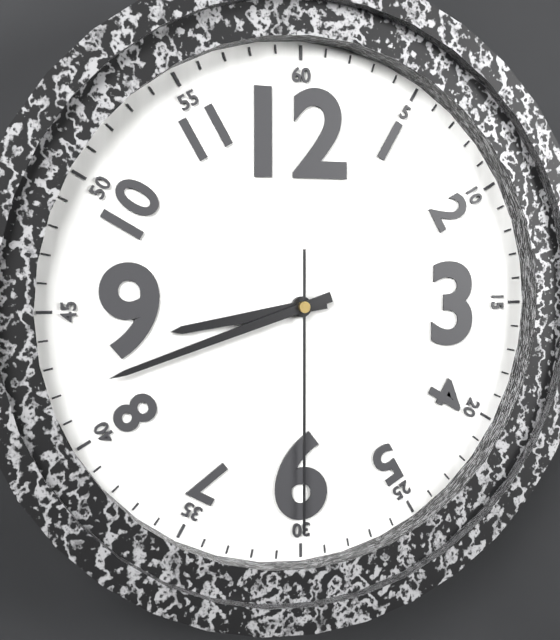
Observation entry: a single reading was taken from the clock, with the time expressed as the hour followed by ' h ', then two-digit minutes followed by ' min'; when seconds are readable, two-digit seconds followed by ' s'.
8 h 42 min 30 s
